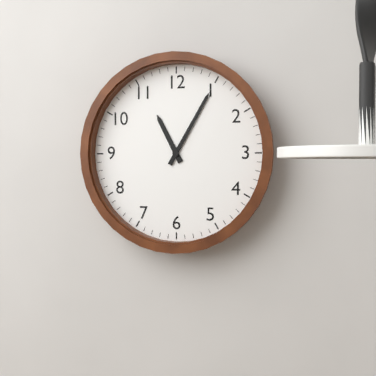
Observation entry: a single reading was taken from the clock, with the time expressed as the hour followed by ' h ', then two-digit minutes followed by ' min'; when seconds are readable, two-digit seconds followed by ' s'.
11 h 05 min
